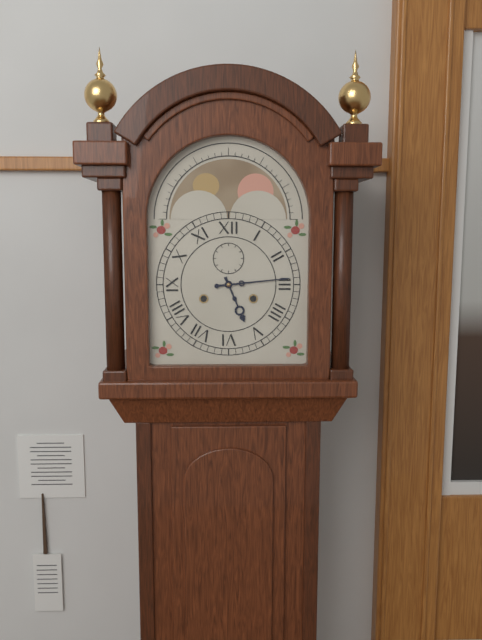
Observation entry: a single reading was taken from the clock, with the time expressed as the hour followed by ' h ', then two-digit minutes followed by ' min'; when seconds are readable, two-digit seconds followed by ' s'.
5 h 14 min
